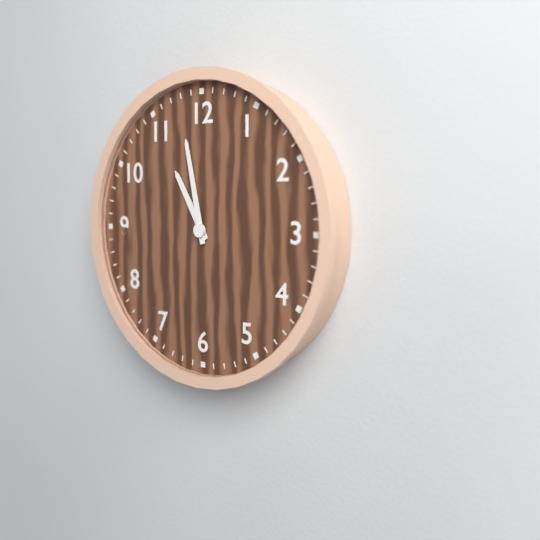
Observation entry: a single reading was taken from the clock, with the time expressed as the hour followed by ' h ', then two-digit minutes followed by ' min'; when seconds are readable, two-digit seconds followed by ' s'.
10 h 58 min
